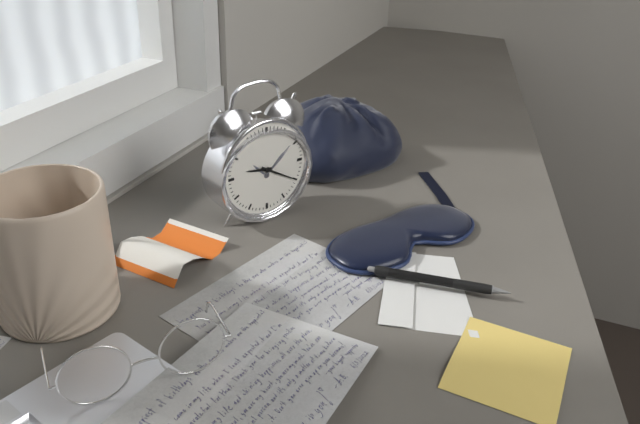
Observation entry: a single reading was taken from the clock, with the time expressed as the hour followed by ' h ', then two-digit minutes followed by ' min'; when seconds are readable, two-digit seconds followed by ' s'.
9 h 20 min
